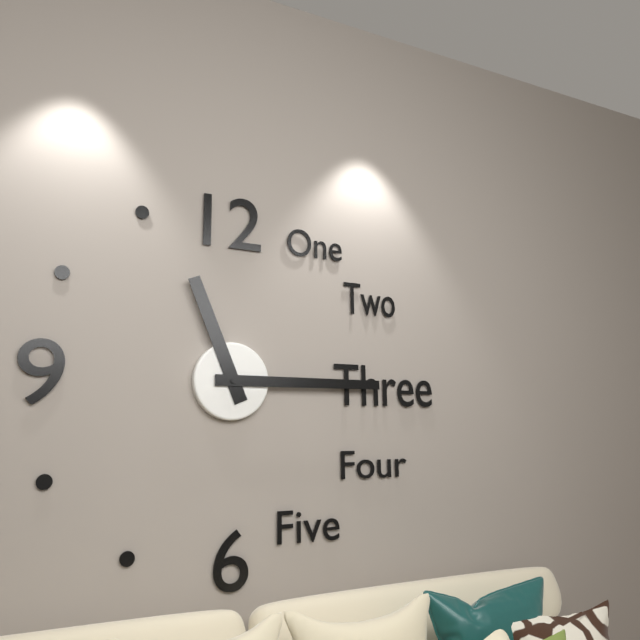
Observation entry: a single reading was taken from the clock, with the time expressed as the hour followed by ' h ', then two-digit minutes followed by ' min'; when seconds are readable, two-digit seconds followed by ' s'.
11 h 15 min
